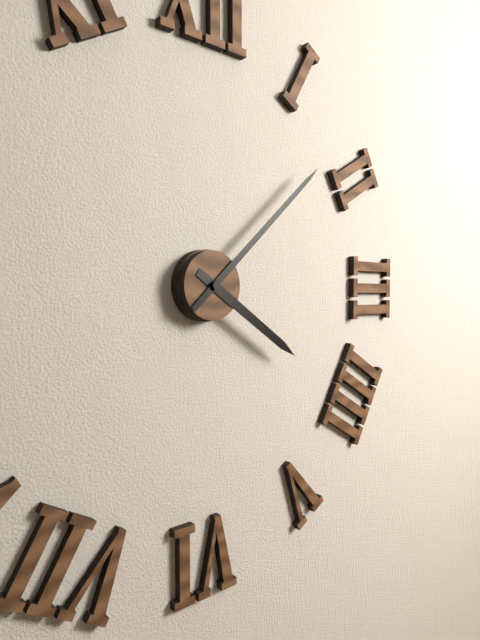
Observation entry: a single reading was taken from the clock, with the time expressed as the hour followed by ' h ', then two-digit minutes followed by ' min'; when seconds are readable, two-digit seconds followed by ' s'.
4 h 08 min
